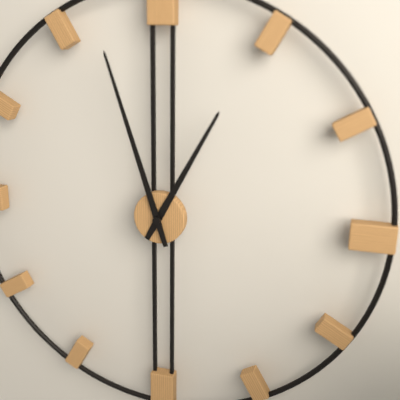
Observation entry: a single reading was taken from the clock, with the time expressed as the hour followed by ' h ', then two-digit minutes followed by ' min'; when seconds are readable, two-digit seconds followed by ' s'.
12 h 57 min
